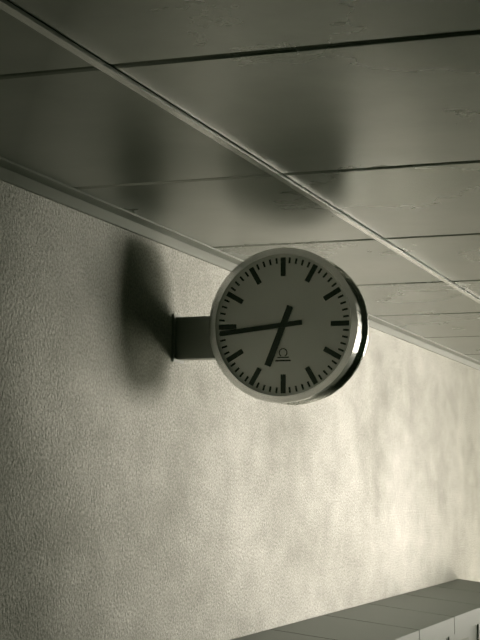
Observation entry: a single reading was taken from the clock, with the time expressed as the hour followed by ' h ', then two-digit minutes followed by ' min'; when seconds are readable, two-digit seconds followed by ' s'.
6 h 44 min
